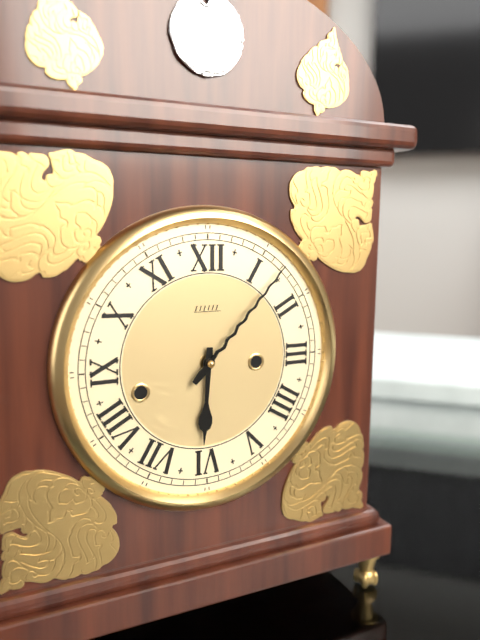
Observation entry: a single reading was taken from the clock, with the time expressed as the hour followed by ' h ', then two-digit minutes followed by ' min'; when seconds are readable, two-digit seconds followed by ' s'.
6 h 07 min
